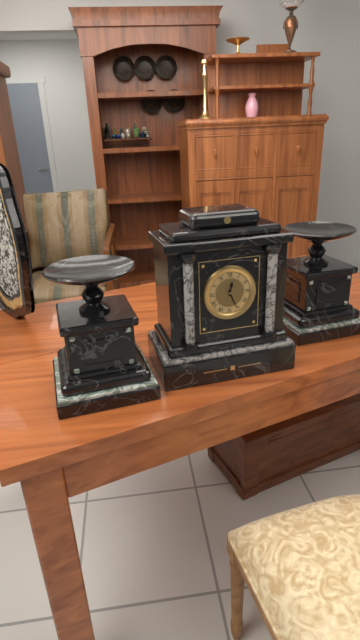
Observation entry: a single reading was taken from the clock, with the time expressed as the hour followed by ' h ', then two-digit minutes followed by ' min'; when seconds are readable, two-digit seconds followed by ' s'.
12 h 26 min
